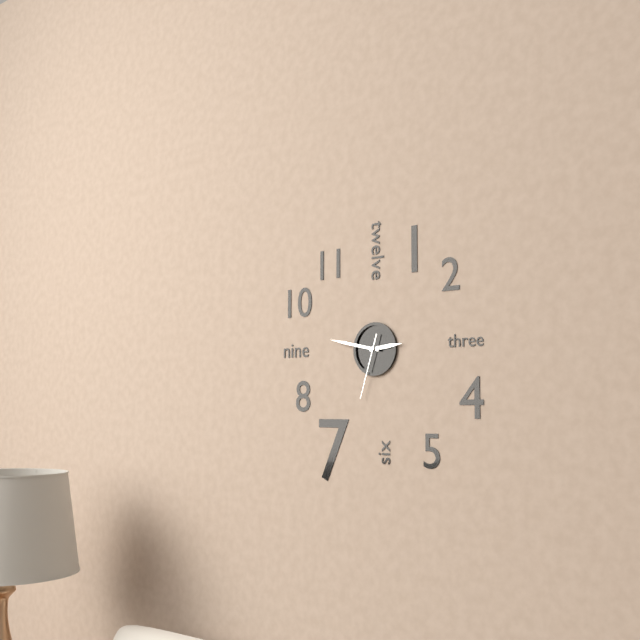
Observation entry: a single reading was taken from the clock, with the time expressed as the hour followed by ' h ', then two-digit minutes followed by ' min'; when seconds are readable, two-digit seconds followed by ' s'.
2 h 47 min 33 s
